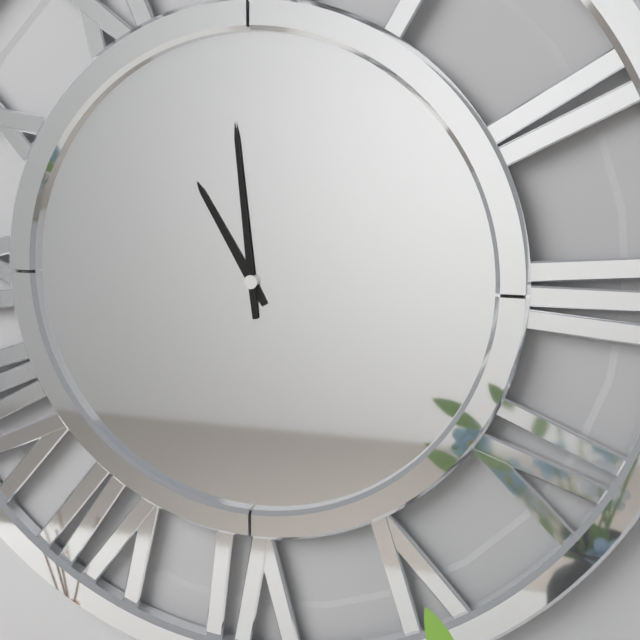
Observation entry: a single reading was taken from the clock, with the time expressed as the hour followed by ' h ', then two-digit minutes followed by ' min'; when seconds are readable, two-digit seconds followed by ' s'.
10 h 59 min
